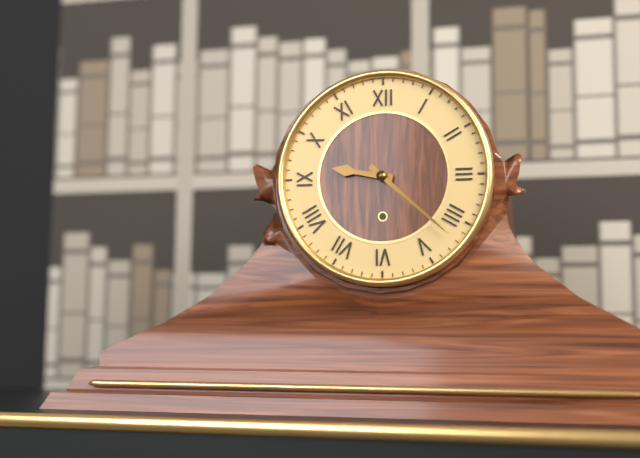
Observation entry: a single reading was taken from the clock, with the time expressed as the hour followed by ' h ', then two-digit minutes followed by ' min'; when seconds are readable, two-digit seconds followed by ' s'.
9 h 22 min
